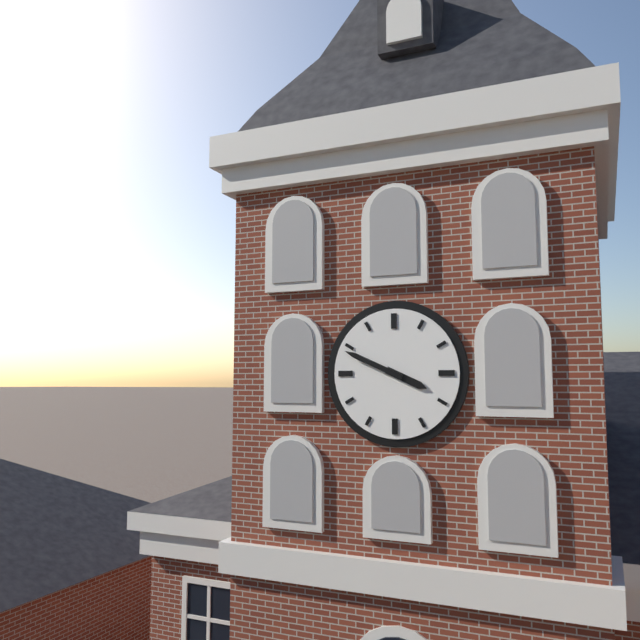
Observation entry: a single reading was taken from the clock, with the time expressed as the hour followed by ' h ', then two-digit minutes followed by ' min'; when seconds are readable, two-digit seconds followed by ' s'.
3 h 49 min
